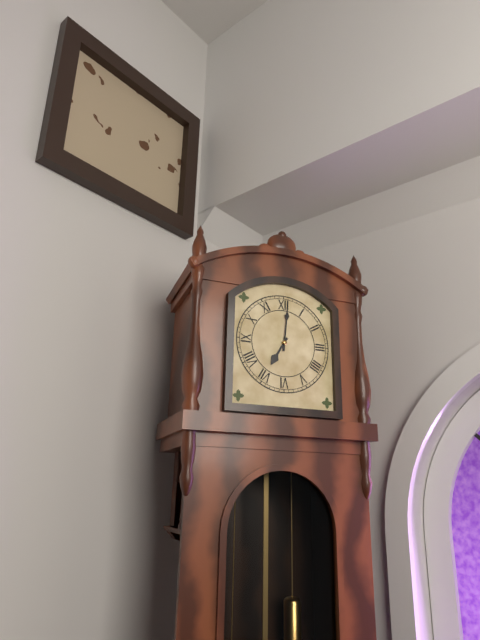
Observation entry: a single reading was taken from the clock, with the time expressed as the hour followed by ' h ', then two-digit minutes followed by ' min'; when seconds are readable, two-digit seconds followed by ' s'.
7 h 01 min
